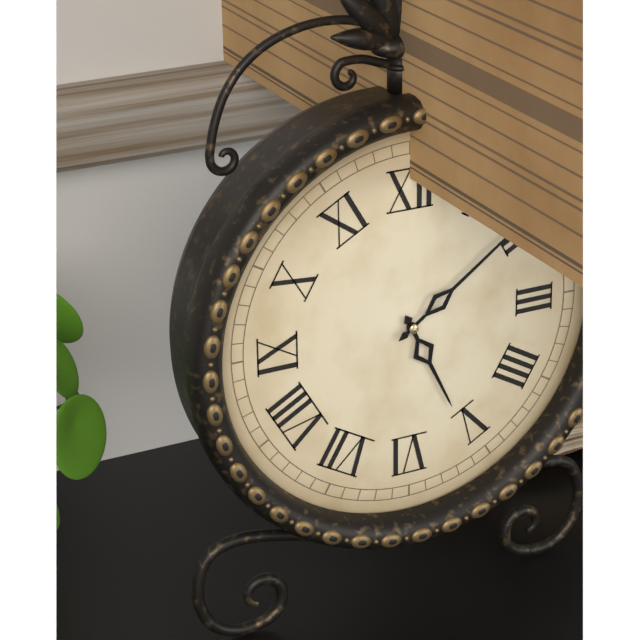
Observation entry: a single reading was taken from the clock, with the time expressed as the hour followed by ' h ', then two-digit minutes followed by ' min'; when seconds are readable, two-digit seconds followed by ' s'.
5 h 09 min
